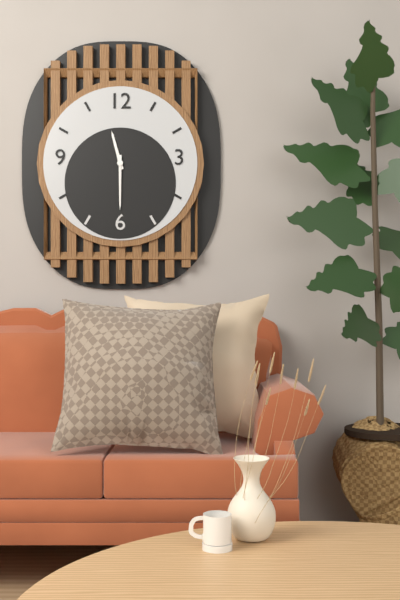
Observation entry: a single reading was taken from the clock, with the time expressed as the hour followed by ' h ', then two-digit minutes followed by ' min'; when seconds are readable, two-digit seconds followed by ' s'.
11 h 30 min
